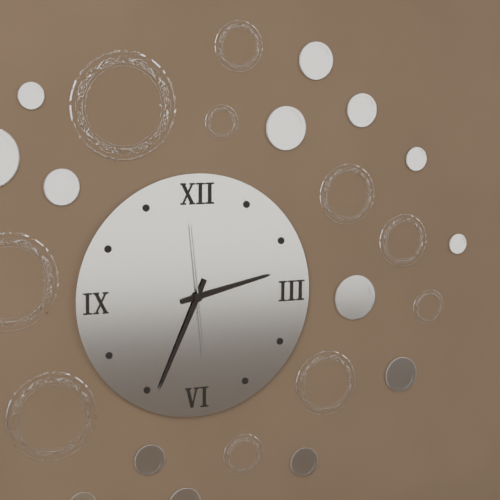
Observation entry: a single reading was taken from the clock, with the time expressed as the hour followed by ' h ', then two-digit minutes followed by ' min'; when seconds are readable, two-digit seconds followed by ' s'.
2 h 34 min 59 s
